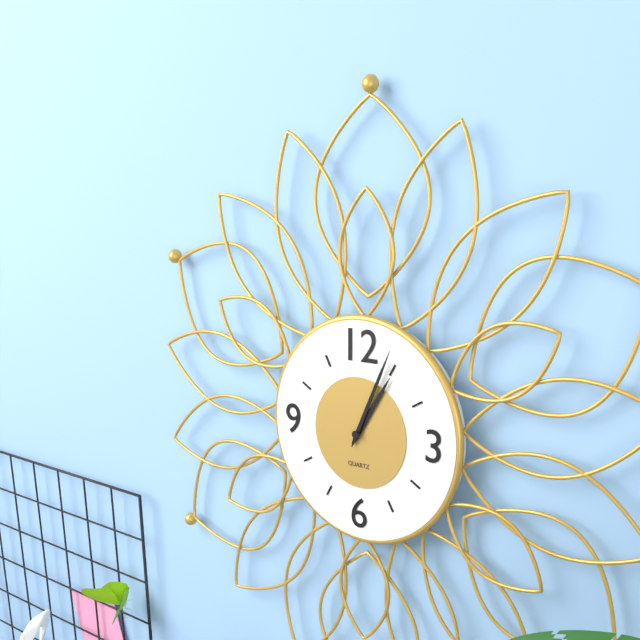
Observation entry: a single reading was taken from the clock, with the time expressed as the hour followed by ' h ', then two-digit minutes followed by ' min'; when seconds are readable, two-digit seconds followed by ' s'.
1 h 04 min
